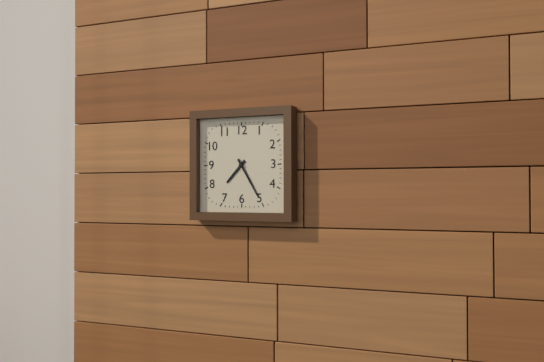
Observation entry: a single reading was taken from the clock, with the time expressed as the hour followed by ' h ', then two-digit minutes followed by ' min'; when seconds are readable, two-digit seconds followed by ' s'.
7 h 25 min
